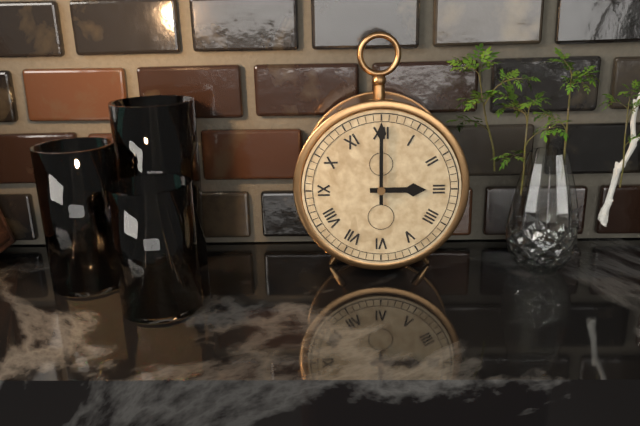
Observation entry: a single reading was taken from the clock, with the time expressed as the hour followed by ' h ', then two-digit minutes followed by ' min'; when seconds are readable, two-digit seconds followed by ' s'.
3 h 00 min
